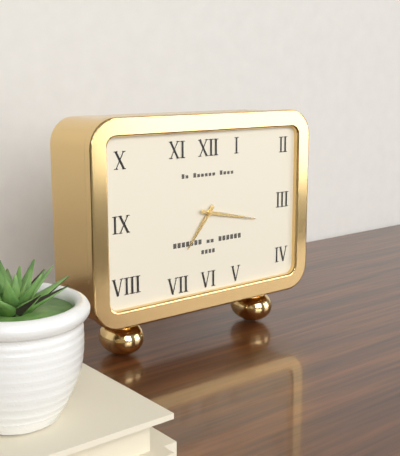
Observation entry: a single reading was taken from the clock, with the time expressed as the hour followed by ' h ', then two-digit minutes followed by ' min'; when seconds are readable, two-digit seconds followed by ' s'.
7 h 17 min
